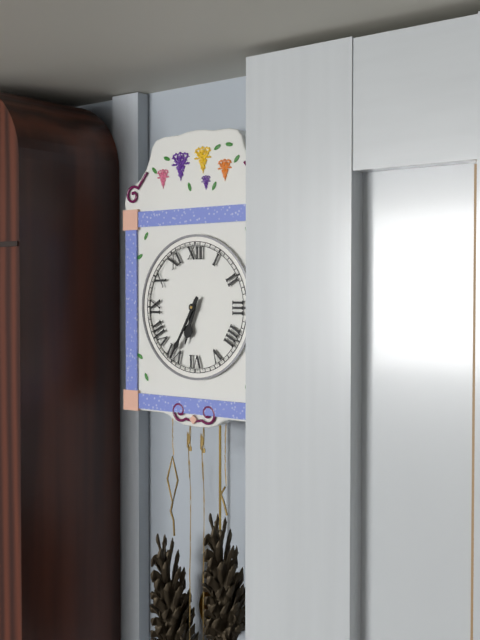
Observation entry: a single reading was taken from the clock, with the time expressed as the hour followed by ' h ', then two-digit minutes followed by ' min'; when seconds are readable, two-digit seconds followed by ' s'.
6 h 35 min
